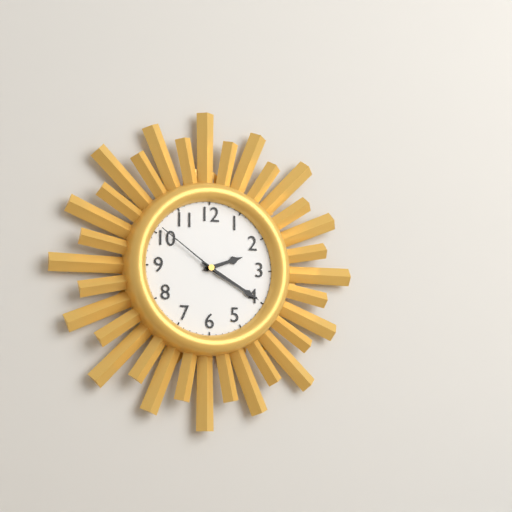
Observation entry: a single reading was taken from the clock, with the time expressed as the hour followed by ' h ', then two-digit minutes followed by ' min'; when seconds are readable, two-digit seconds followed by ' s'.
2 h 20 min 51 s
